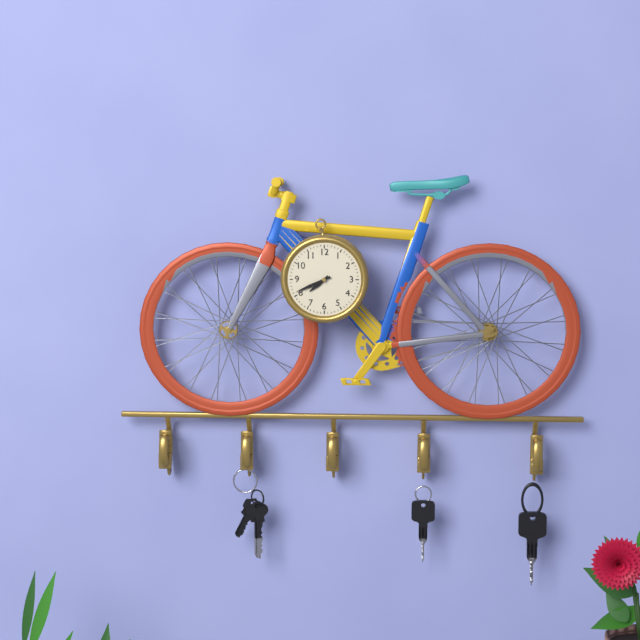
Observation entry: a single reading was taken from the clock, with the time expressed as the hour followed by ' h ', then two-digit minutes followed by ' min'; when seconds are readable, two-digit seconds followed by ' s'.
7 h 41 min
